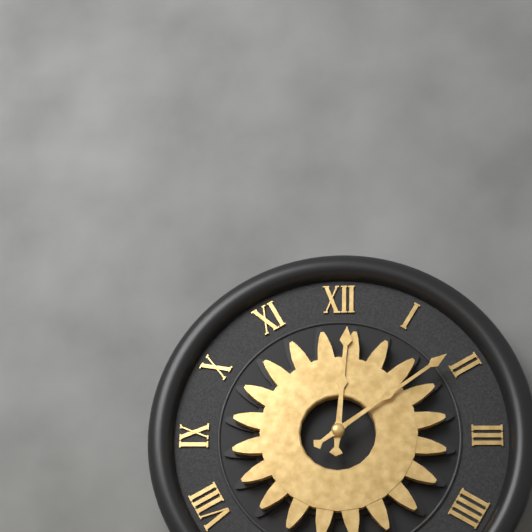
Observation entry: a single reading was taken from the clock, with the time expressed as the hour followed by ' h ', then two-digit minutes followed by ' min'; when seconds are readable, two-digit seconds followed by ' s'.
12 h 09 min
